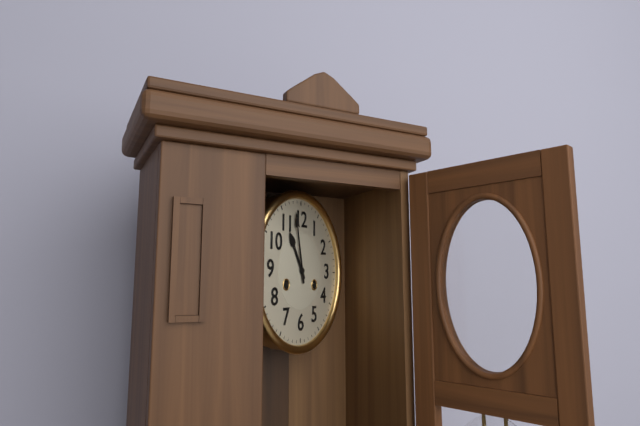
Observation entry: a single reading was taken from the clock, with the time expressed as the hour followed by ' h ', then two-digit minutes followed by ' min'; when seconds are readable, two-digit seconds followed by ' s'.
10 h 58 min
